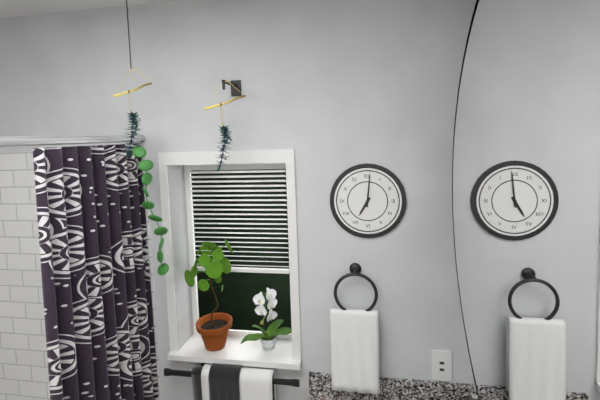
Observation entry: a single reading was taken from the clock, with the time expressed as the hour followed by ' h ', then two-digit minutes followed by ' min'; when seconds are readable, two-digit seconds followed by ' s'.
7 h 01 min
